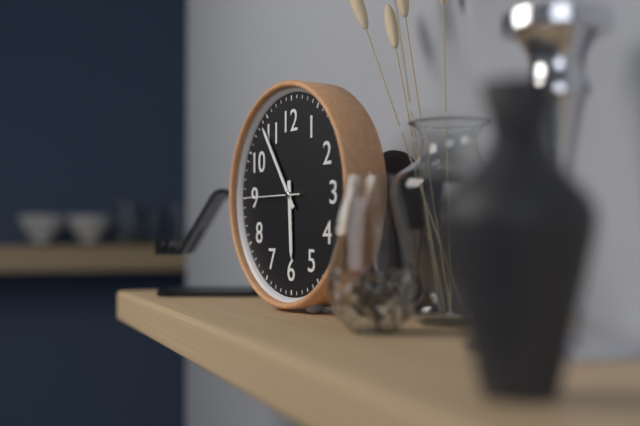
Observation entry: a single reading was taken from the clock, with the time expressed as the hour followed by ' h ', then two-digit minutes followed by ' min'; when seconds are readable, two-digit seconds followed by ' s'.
5 h 54 min 45 s
